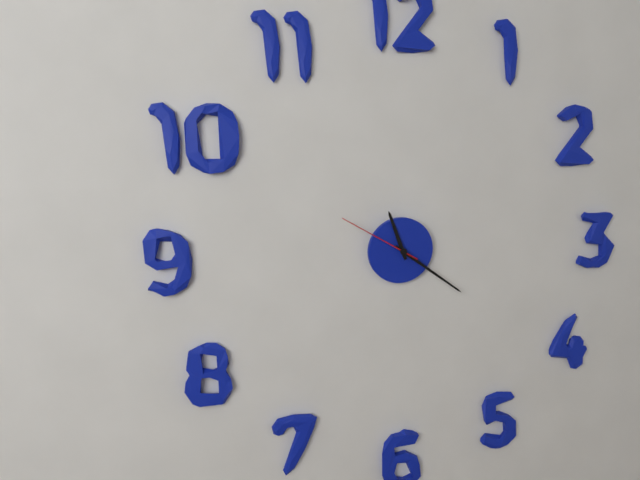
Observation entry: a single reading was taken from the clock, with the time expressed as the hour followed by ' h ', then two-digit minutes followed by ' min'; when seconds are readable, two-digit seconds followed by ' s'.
11 h 21 min 50 s
